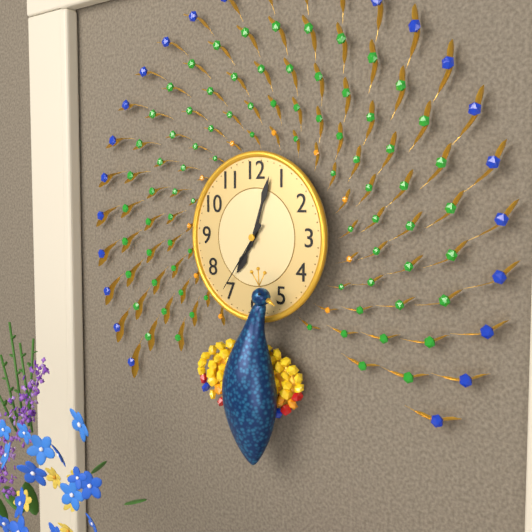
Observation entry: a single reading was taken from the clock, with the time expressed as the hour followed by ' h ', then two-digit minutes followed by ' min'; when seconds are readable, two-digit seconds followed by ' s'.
7 h 03 min 36 s
